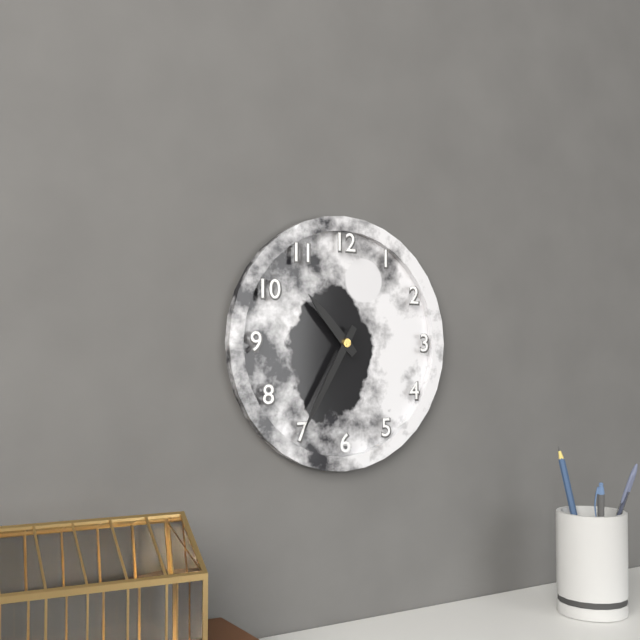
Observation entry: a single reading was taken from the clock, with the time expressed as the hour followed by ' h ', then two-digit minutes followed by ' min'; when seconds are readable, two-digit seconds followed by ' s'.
10 h 35 min
